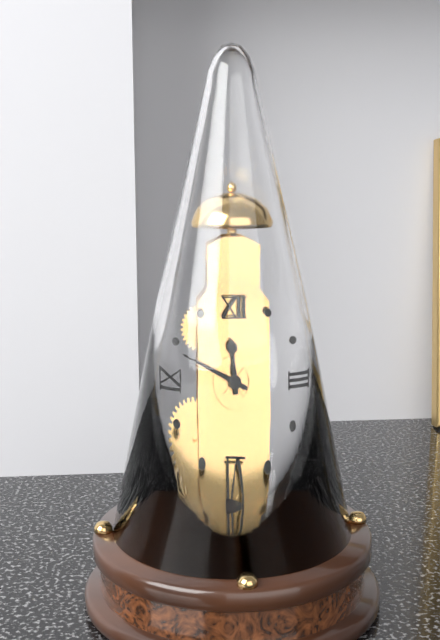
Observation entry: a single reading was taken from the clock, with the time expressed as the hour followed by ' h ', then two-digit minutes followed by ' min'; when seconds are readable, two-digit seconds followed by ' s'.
11 h 49 min
